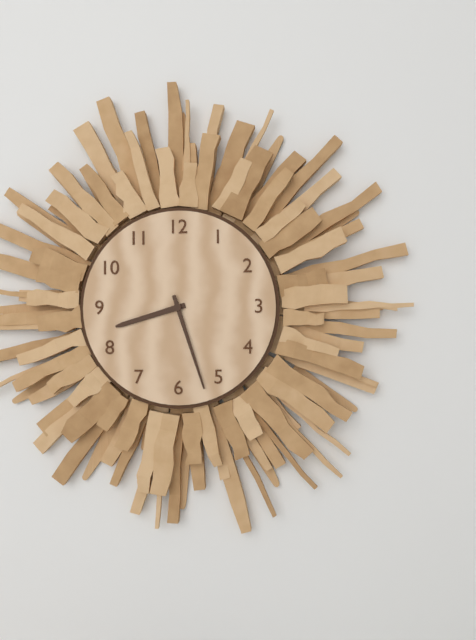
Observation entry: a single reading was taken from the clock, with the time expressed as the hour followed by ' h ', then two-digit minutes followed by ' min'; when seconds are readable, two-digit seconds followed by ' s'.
8 h 27 min
